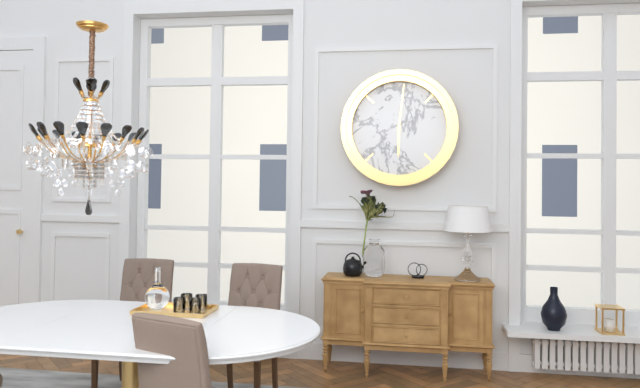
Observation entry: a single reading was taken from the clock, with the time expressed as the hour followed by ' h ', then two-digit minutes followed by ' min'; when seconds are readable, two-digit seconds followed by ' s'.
6 h 01 min
